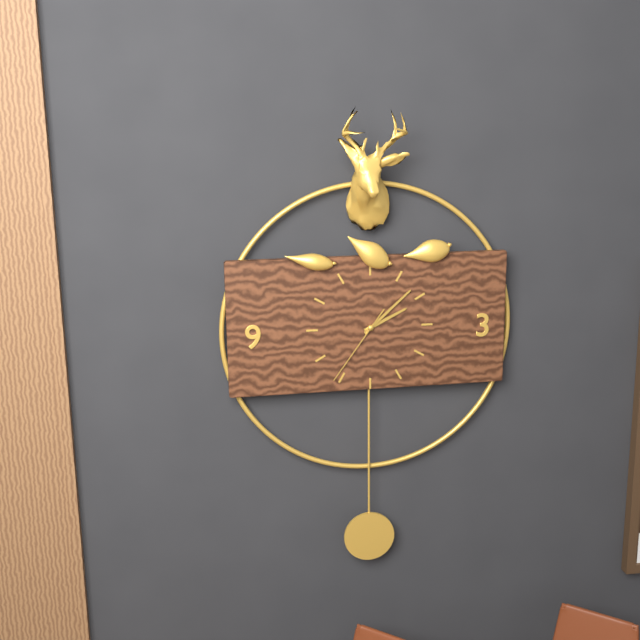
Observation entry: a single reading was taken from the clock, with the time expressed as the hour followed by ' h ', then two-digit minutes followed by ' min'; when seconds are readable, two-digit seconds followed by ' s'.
2 h 08 min 36 s
